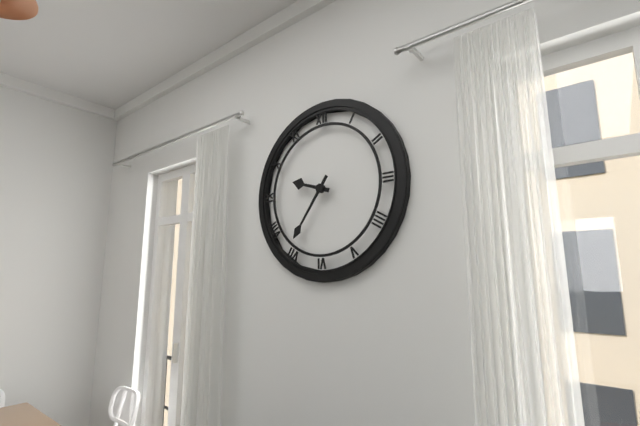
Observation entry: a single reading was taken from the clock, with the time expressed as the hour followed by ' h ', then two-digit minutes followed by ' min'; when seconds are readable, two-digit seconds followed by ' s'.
9 h 36 min
